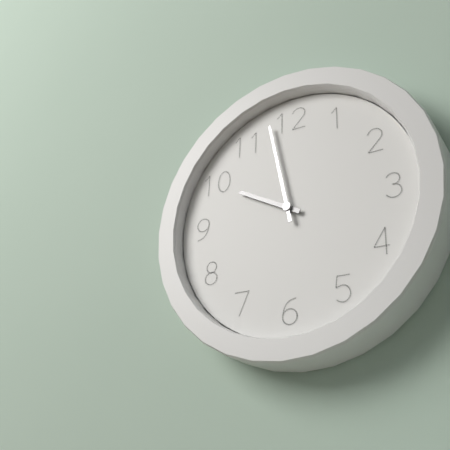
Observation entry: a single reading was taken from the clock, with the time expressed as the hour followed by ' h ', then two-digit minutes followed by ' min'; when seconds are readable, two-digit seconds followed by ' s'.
9 h 58 min
